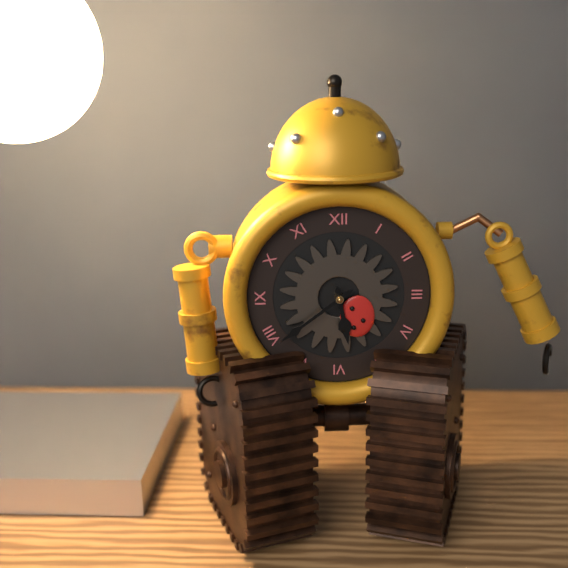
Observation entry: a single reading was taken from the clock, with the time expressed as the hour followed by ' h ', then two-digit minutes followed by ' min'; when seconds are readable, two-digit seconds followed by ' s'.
5 h 39 min
